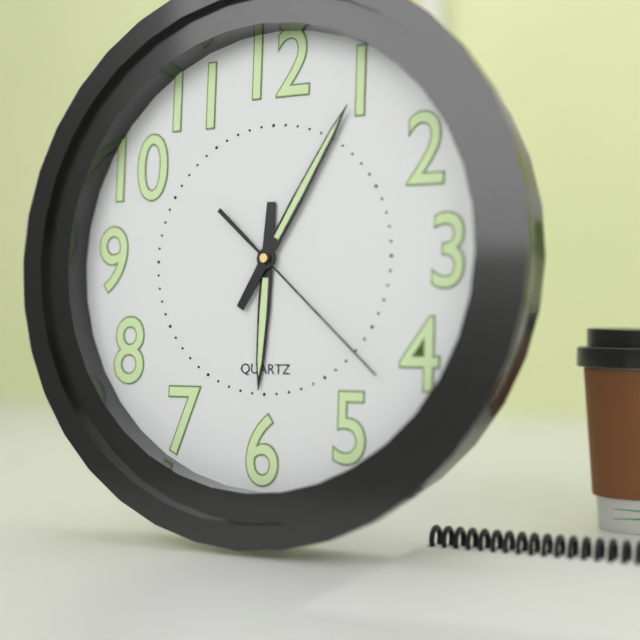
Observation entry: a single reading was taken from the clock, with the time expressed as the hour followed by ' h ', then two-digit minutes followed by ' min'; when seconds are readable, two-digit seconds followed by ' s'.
6 h 05 min 22 s
